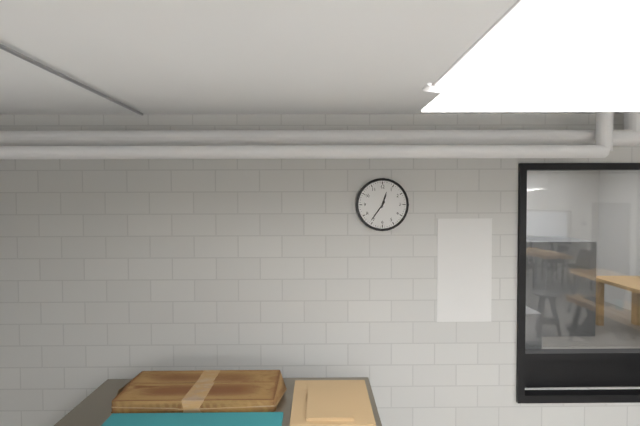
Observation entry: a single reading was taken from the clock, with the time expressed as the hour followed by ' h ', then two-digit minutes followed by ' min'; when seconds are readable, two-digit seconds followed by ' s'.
12 h 36 min
